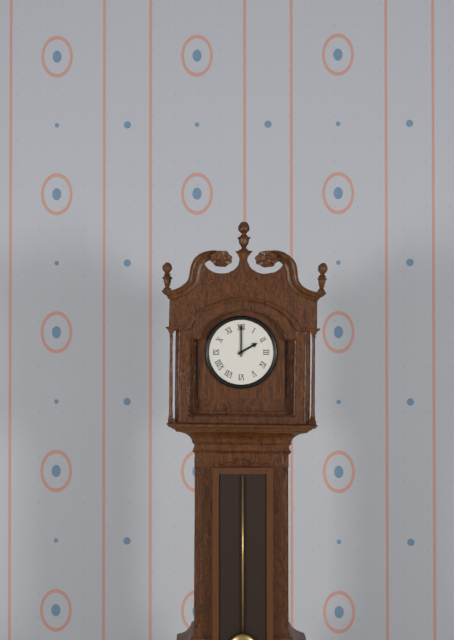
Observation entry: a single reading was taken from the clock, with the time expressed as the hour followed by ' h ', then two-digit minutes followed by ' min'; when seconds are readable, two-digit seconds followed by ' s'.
2 h 00 min
